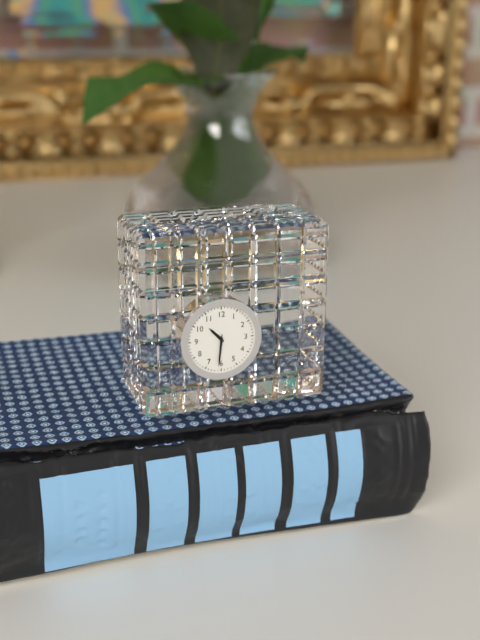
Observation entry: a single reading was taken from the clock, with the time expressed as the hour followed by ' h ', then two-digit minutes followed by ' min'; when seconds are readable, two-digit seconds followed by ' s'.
10 h 31 min
